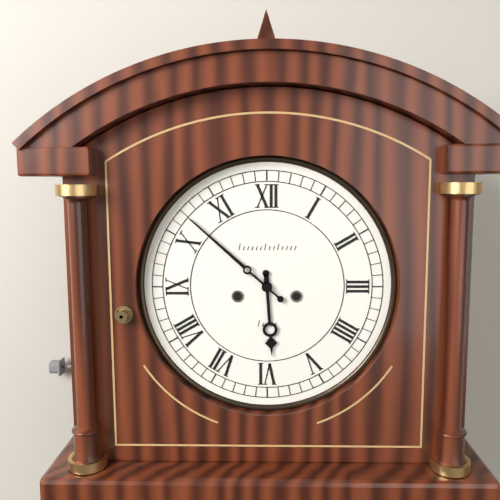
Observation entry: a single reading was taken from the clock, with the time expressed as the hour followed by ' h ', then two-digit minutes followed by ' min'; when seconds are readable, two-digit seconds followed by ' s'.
5 h 52 min
